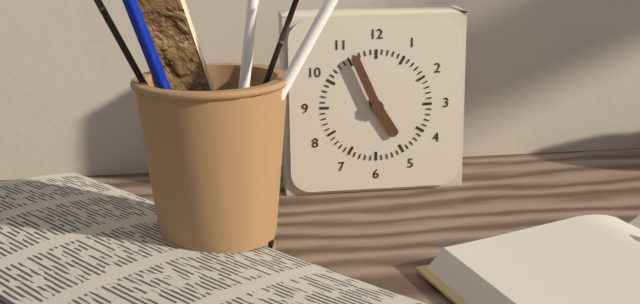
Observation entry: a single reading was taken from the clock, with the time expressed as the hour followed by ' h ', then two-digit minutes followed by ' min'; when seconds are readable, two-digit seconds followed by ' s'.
4 h 56 min
